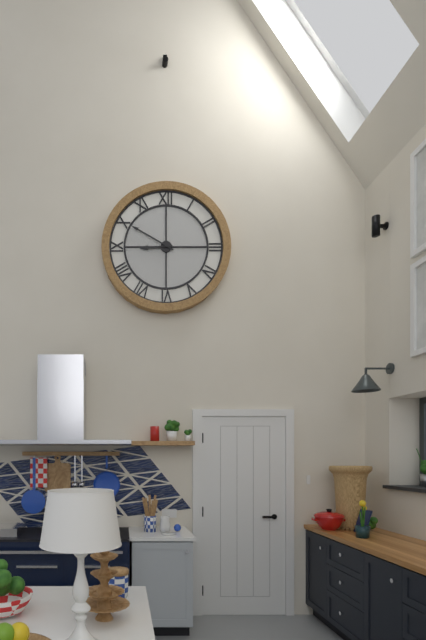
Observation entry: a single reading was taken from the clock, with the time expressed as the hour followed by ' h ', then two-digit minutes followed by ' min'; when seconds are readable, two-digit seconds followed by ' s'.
8 h 50 min
